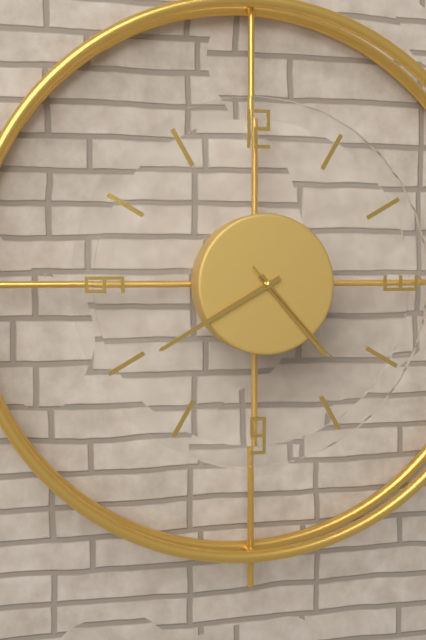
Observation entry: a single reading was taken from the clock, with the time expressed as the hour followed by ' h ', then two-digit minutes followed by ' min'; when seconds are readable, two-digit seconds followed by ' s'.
4 h 40 min 23 s
